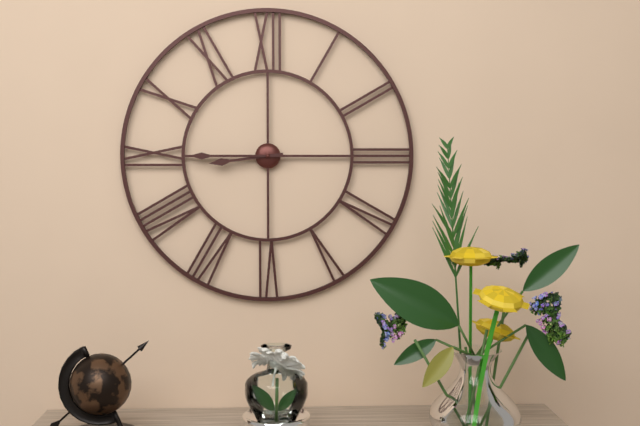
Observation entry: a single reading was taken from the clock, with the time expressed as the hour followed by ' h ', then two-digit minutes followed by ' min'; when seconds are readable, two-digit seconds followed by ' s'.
8 h 45 min
